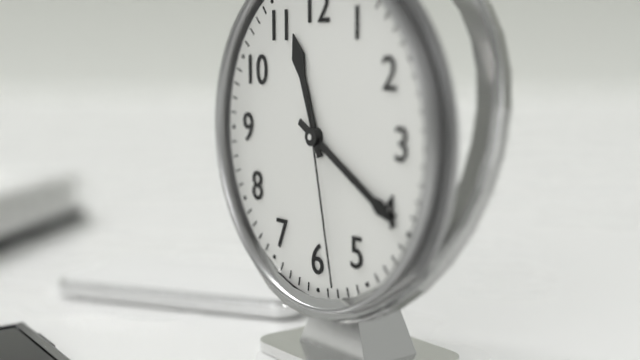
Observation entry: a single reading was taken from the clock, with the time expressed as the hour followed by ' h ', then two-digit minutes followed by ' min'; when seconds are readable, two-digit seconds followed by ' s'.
11 h 20 min 28 s
